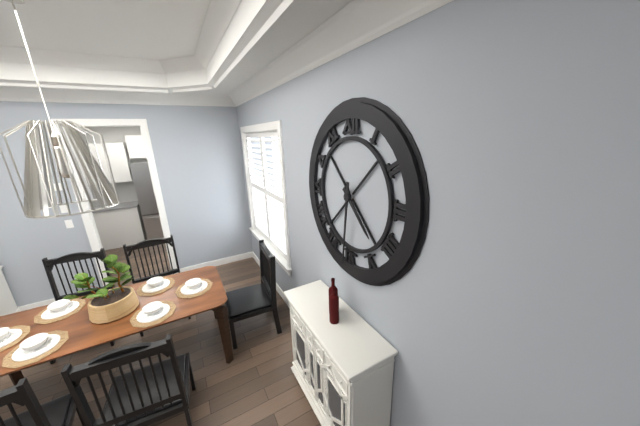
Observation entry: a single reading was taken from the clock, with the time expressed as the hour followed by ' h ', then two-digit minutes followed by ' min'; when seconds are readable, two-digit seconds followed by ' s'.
4 h 31 min
